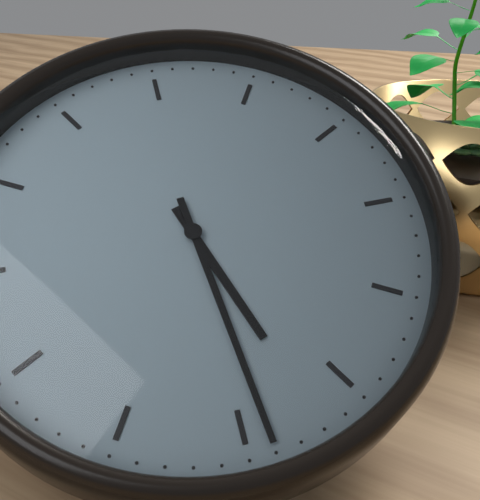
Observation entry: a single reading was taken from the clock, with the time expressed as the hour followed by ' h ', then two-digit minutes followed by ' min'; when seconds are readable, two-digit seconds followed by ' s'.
4 h 24 min
